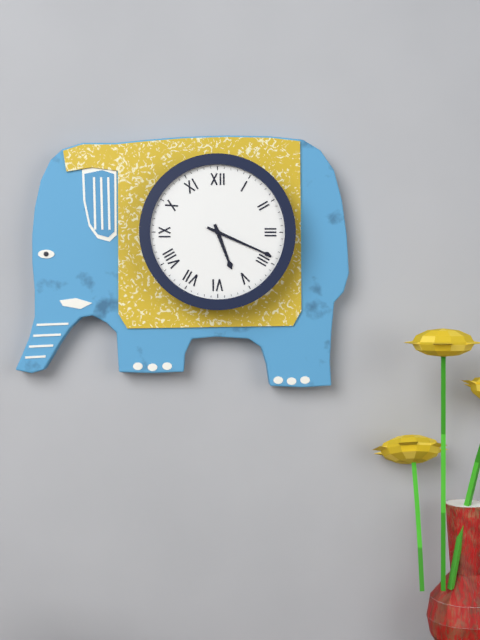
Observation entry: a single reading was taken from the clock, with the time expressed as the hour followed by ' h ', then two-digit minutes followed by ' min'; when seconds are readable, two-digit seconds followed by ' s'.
5 h 19 min
